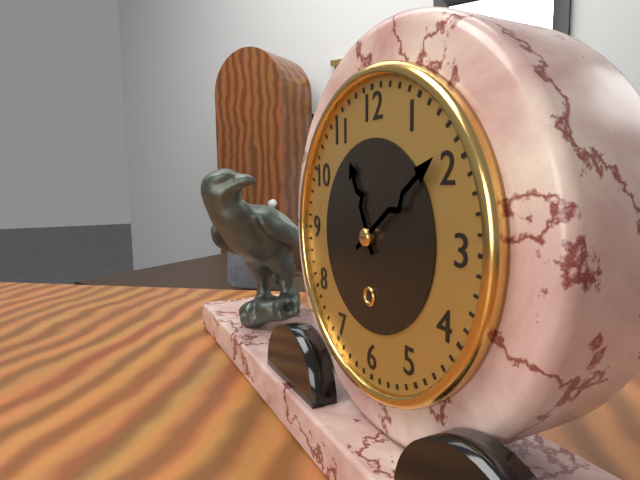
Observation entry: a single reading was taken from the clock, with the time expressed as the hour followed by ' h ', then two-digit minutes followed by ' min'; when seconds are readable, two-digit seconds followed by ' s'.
11 h 09 min
